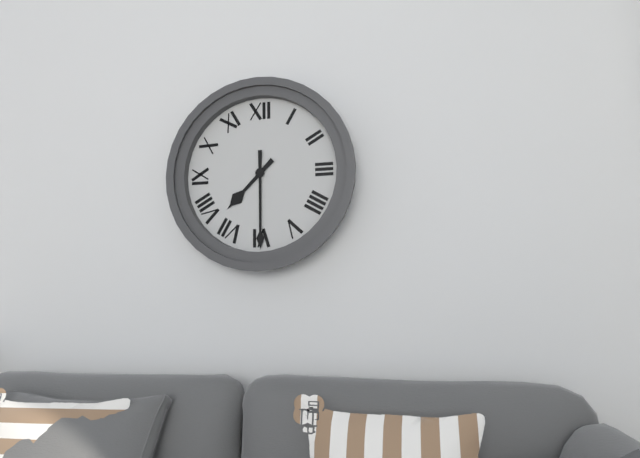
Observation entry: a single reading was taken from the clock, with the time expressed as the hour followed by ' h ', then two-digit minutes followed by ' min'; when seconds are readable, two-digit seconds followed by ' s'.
7 h 30 min
